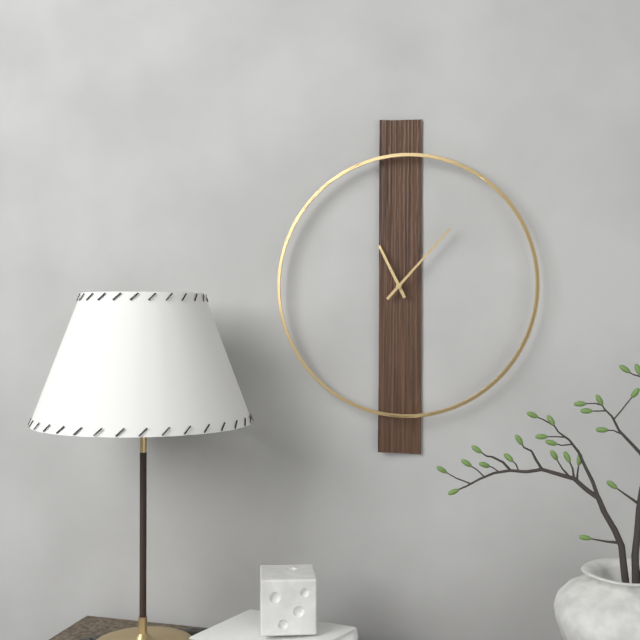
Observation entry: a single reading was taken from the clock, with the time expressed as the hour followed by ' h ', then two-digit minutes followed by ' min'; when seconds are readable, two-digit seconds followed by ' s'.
11 h 07 min
